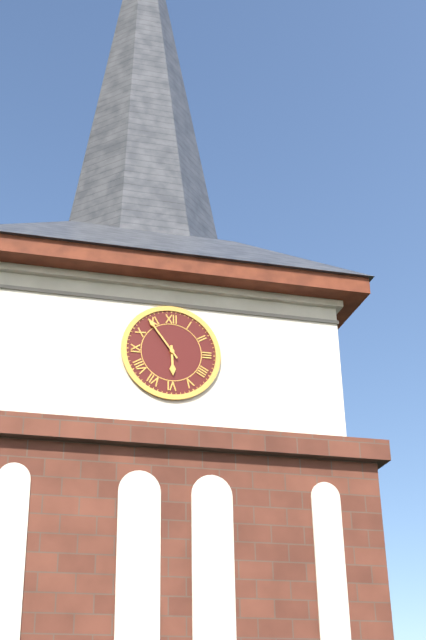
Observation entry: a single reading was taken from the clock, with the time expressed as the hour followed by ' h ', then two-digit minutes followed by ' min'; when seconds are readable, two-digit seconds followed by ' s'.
5 h 54 min
